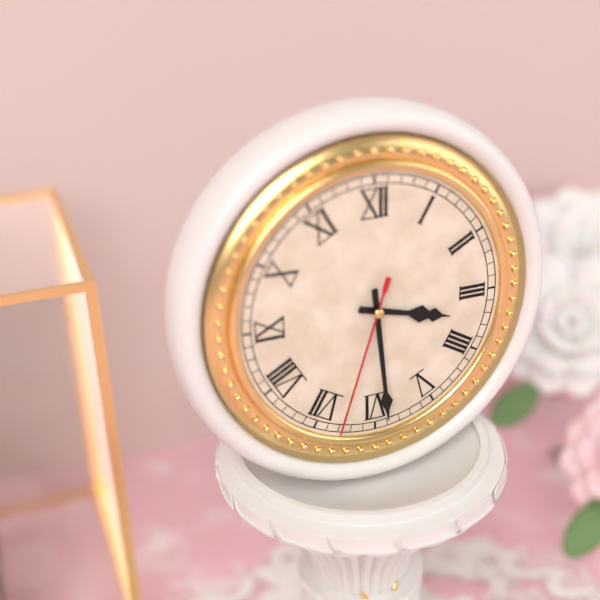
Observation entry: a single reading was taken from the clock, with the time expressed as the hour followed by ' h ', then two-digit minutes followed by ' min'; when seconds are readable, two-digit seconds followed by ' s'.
3 h 29 min 33 s
